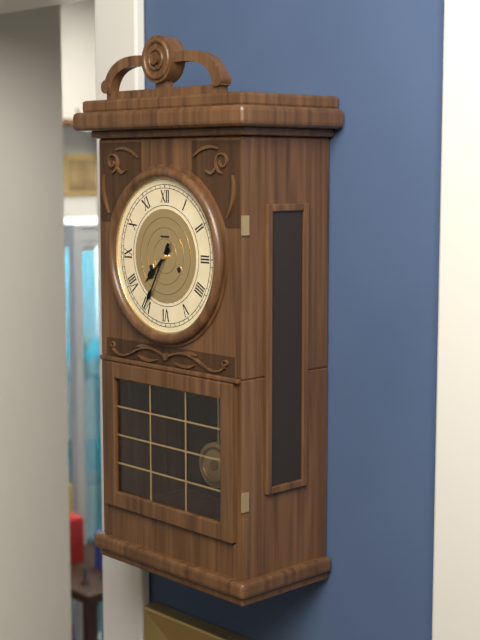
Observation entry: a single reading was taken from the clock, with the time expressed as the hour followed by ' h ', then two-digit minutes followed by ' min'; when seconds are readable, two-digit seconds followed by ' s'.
7 h 35 min
